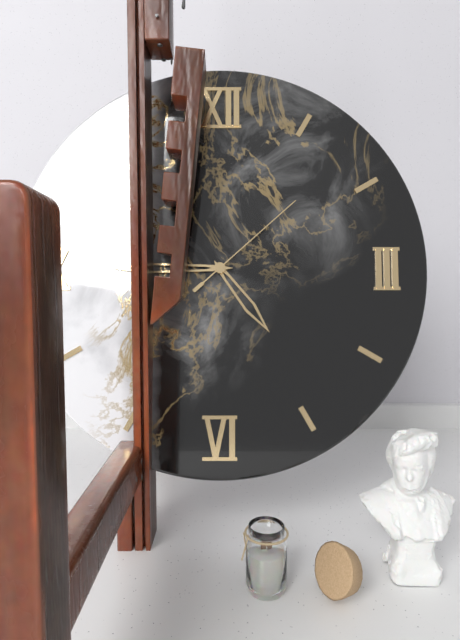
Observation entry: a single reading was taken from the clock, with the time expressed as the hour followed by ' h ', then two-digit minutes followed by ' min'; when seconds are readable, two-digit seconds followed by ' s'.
4 h 45 min 08 s
